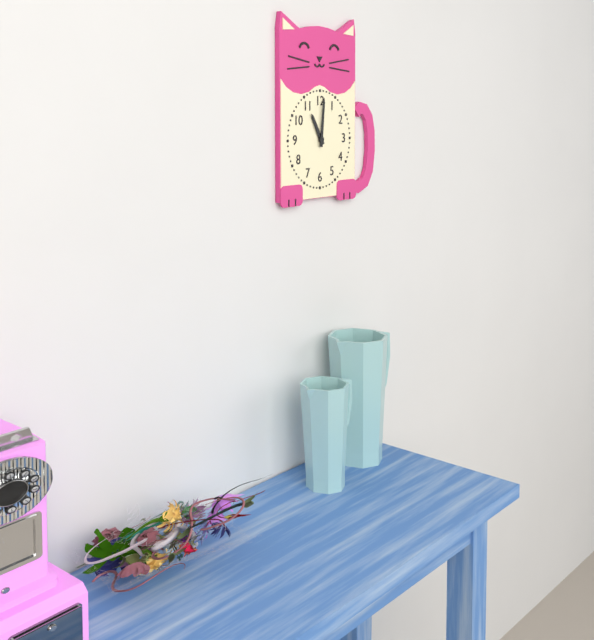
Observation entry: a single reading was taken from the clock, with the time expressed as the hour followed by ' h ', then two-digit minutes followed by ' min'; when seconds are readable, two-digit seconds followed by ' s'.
11 h 01 min
